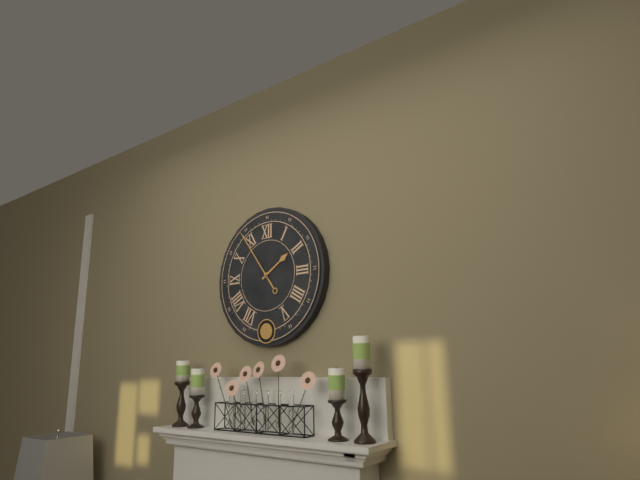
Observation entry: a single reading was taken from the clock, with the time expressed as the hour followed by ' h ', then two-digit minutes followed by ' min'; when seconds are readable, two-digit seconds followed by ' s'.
1 h 54 min
